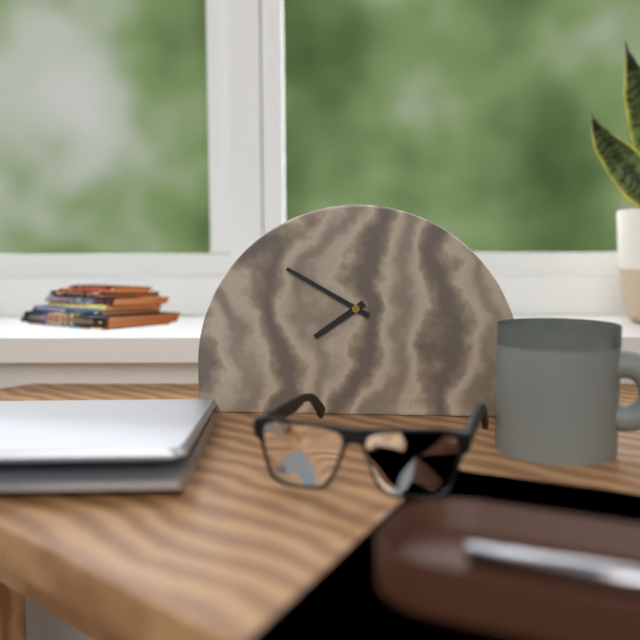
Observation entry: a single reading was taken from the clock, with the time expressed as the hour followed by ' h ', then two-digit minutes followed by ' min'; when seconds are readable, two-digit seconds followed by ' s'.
7 h 50 min
